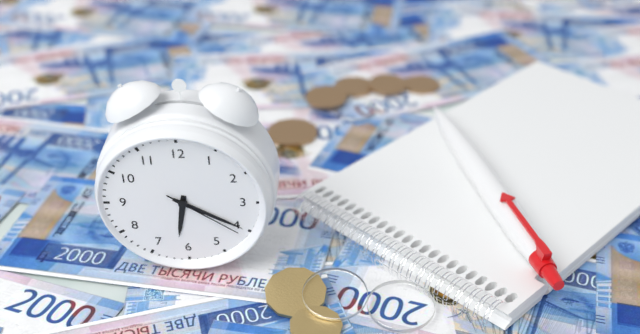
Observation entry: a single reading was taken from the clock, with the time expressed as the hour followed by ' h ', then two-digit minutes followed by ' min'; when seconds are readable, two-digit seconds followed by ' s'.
6 h 20 min 21 s
